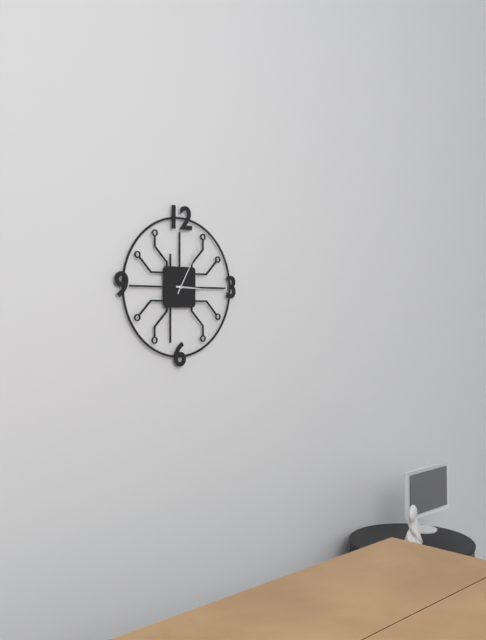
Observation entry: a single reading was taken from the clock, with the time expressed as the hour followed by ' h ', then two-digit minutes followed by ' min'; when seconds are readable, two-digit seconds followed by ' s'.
3 h 05 min
